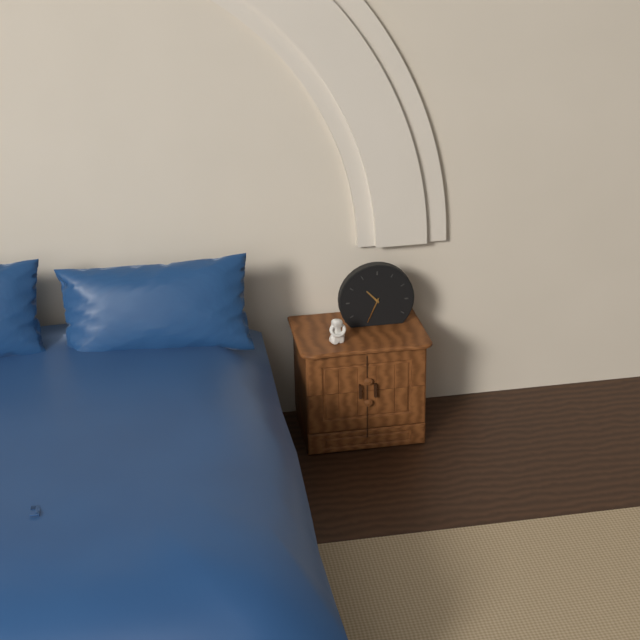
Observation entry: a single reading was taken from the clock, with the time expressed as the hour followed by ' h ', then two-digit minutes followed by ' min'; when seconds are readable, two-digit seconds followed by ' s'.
10 h 34 min
